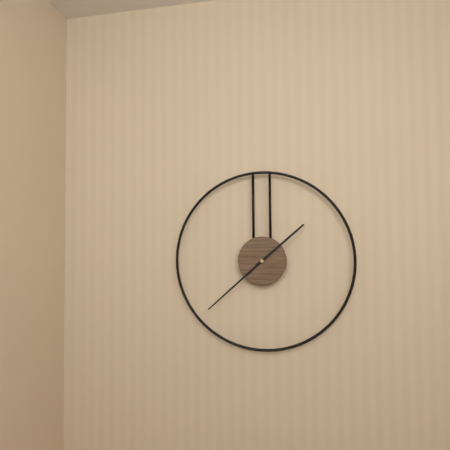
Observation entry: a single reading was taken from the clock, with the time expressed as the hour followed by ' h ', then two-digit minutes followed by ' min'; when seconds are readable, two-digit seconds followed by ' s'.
1 h 38 min
